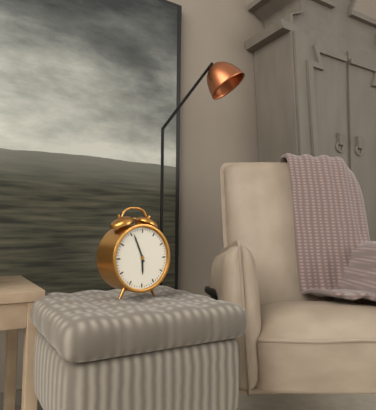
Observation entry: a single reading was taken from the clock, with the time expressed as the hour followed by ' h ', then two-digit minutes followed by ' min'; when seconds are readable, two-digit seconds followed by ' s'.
5 h 56 min
